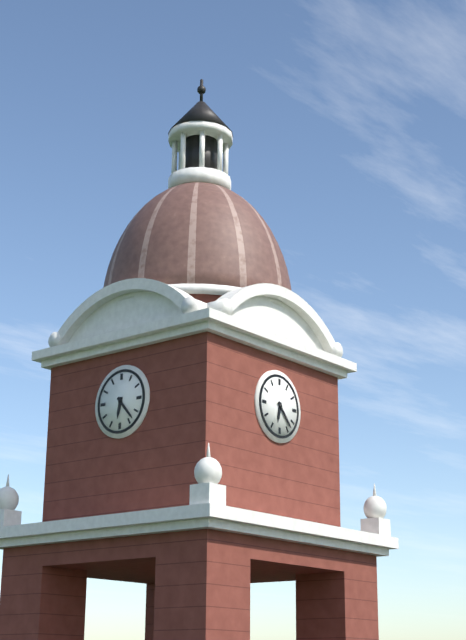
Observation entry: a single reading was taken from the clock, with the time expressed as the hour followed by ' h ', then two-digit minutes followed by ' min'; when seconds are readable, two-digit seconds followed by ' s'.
6 h 23 min
